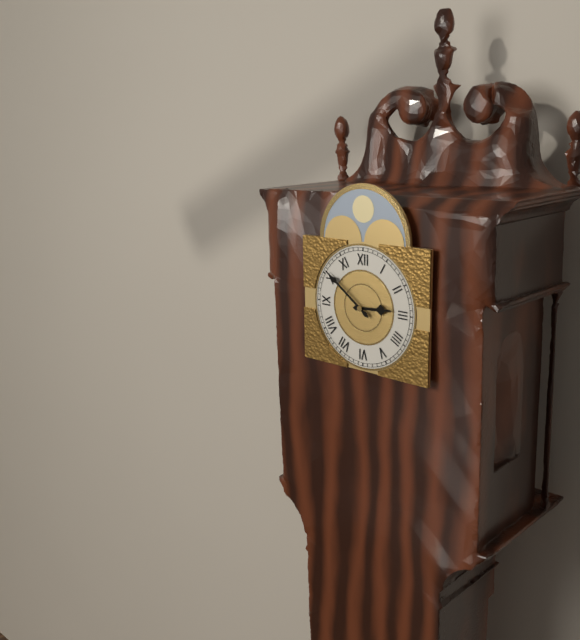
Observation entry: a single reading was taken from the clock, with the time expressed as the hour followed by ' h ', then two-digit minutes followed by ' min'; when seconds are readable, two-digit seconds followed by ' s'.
2 h 51 min
